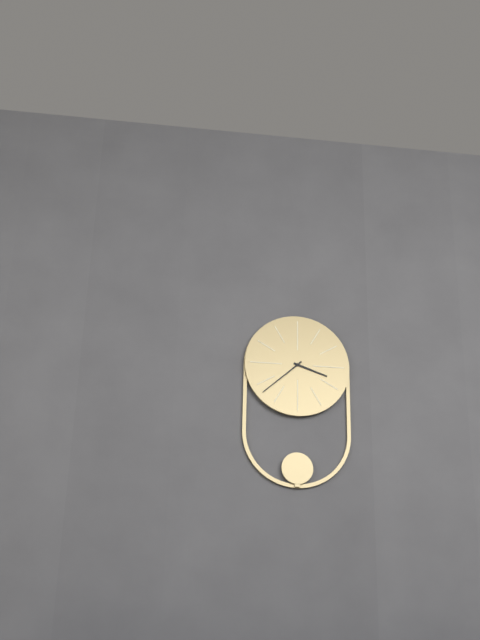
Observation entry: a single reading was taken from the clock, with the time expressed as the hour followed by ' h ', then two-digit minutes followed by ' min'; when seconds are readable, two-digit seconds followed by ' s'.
3 h 38 min
